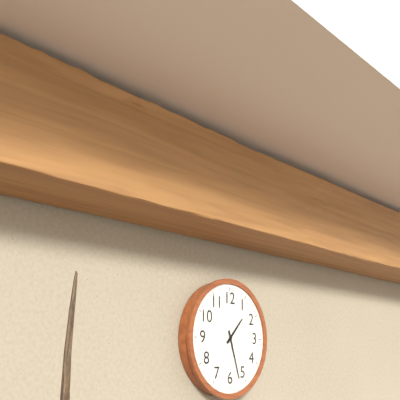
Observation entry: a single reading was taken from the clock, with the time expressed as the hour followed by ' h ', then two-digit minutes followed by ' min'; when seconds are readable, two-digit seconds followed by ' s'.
1 h 27 min
